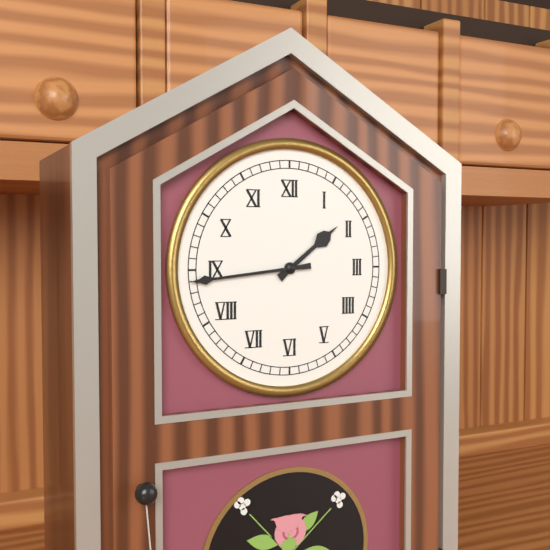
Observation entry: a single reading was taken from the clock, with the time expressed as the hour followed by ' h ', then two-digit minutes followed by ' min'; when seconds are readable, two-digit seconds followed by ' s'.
1 h 44 min
